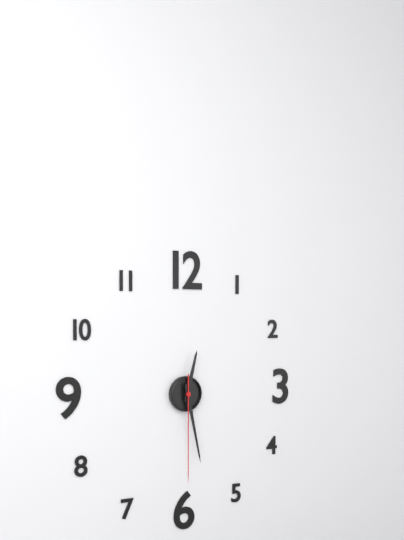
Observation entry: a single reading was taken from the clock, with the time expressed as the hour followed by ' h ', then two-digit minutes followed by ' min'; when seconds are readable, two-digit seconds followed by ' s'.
12 h 28 min 30 s
